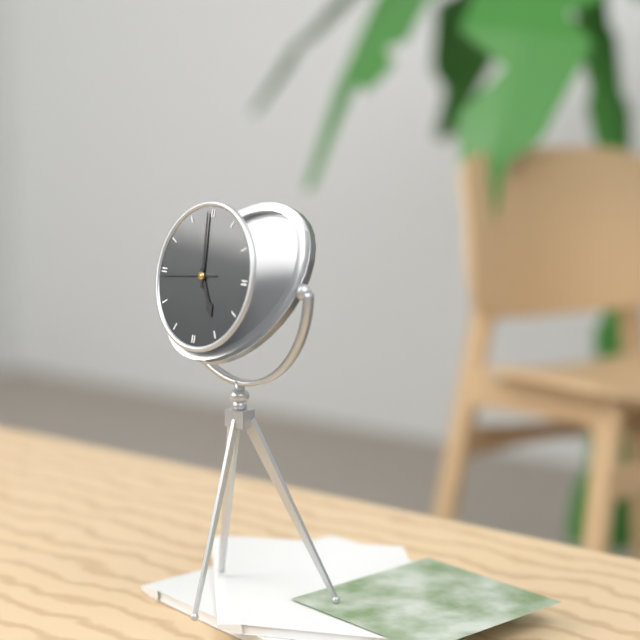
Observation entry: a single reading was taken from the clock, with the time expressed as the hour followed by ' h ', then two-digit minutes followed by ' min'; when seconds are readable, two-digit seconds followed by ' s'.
4 h 59 min 44 s
